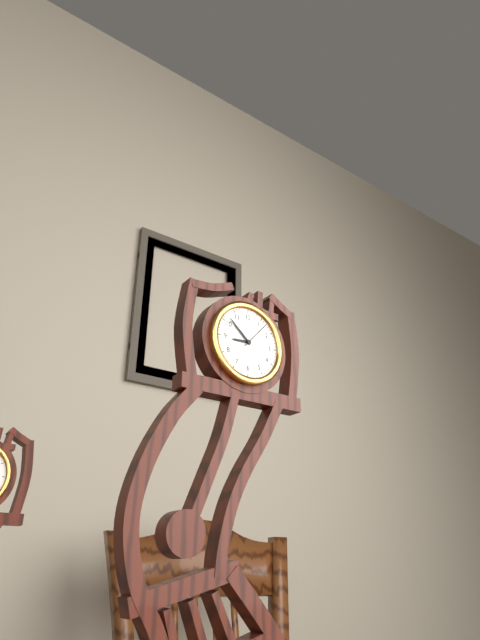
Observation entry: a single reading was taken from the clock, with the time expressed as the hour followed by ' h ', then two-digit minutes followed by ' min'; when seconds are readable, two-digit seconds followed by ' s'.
8 h 52 min
